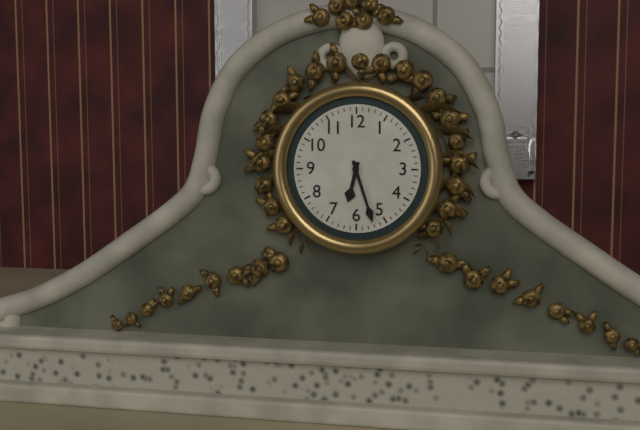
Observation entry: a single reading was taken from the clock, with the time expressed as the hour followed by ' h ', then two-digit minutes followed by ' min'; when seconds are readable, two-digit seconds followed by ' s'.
6 h 27 min
